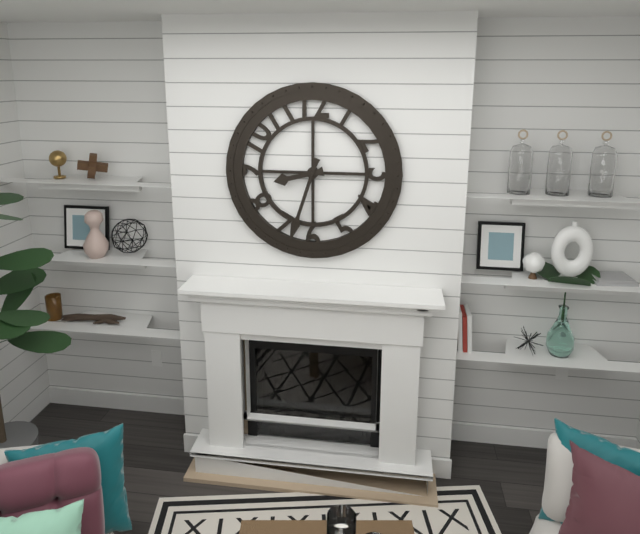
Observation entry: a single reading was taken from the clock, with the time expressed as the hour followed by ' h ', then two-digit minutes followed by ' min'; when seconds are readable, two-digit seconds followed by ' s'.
8 h 33 min
